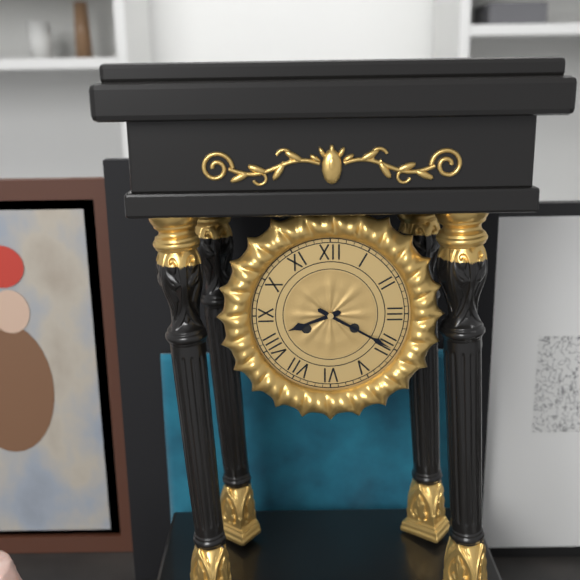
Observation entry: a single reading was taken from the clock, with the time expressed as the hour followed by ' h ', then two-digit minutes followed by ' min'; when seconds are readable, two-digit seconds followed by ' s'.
8 h 20 min
